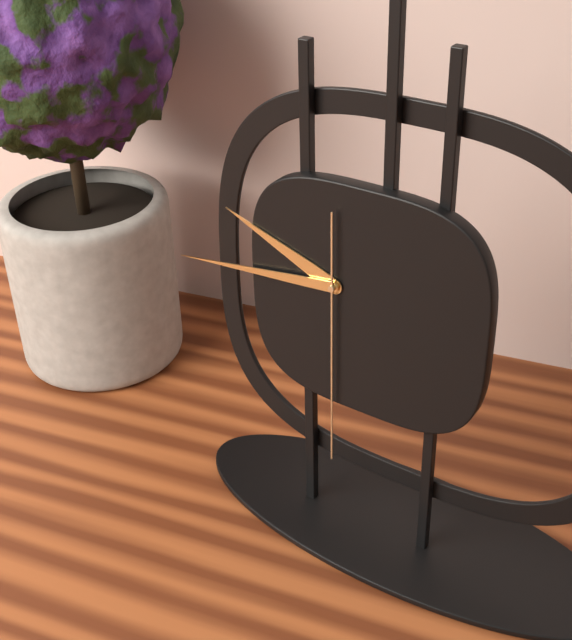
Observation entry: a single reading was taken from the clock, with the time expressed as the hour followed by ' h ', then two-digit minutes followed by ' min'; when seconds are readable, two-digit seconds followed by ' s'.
9 h 44 min 30 s
